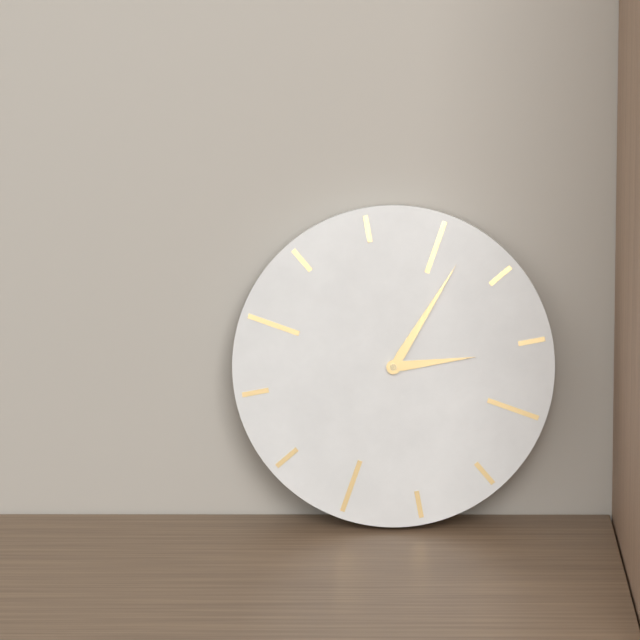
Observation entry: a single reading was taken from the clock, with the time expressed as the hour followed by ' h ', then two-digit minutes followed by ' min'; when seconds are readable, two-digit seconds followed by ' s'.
3 h 07 min
